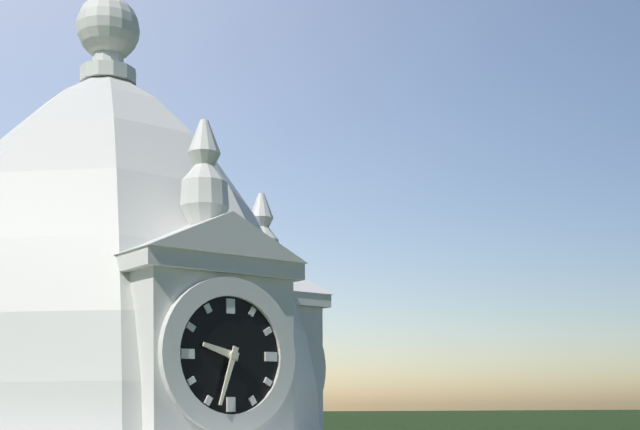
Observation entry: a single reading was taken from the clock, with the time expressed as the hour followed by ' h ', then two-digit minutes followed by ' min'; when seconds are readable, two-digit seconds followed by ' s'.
9 h 33 min
